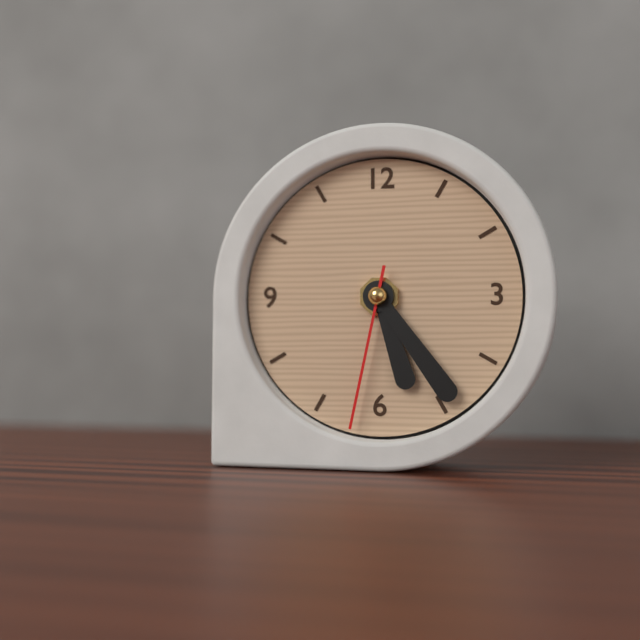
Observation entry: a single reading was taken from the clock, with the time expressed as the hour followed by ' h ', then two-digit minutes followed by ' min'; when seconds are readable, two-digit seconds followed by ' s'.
5 h 24 min 32 s
